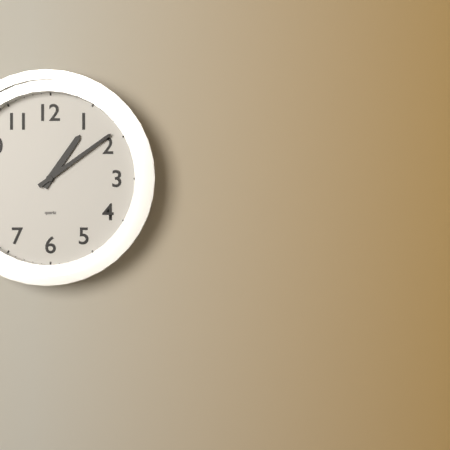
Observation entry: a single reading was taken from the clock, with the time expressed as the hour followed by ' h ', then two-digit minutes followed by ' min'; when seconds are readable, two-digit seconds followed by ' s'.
1 h 09 min
